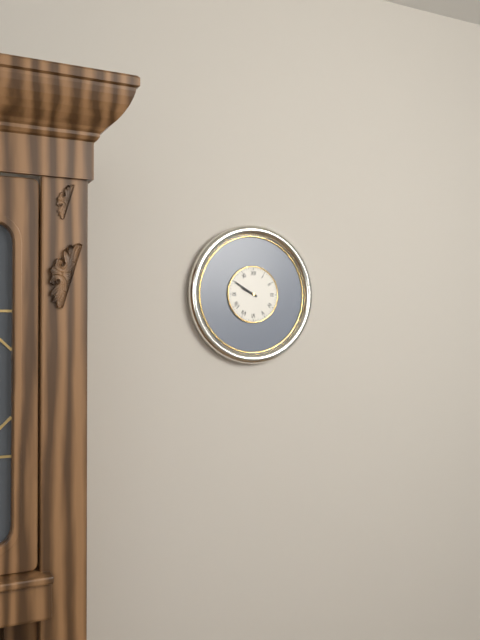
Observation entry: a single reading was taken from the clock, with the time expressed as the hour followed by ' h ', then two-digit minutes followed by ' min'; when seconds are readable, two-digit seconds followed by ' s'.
9 h 50 min
